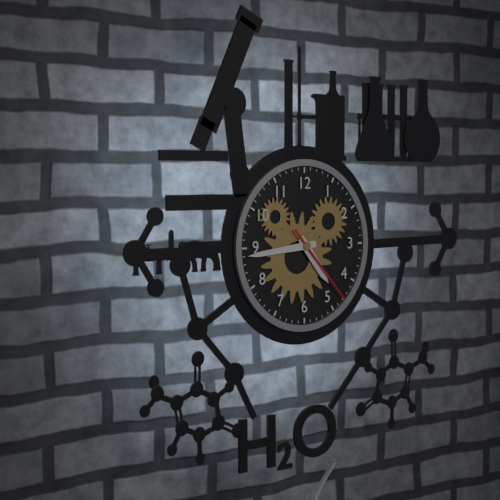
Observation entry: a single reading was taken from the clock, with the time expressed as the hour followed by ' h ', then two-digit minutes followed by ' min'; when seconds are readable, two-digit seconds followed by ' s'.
4 h 44 min 23 s
